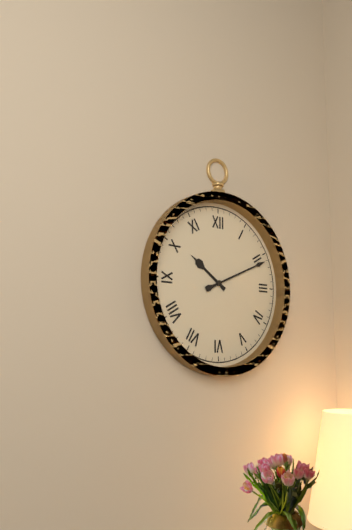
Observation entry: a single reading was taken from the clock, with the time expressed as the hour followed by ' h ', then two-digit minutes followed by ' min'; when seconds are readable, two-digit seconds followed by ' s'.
10 h 11 min
